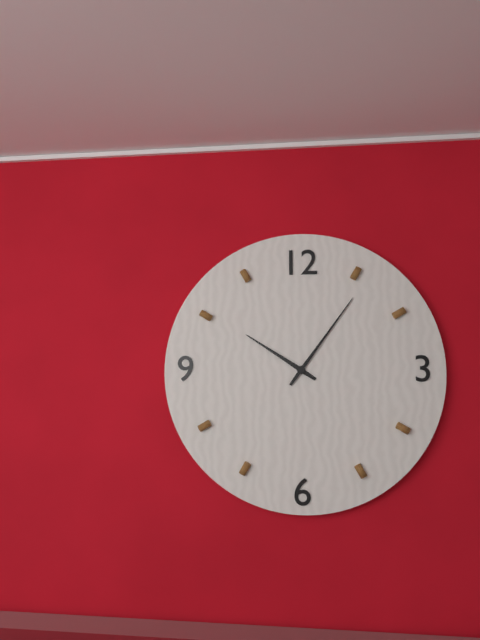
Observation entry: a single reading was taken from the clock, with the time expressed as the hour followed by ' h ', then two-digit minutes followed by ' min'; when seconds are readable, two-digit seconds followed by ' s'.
10 h 06 min
